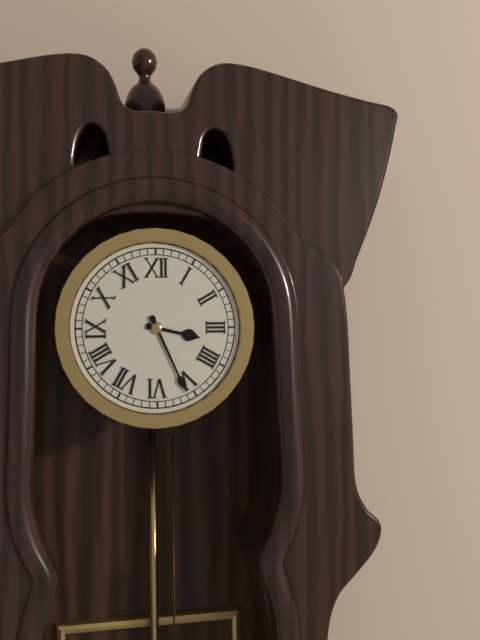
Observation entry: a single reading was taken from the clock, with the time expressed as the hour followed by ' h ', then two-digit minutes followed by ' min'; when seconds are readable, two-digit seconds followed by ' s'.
3 h 26 min
